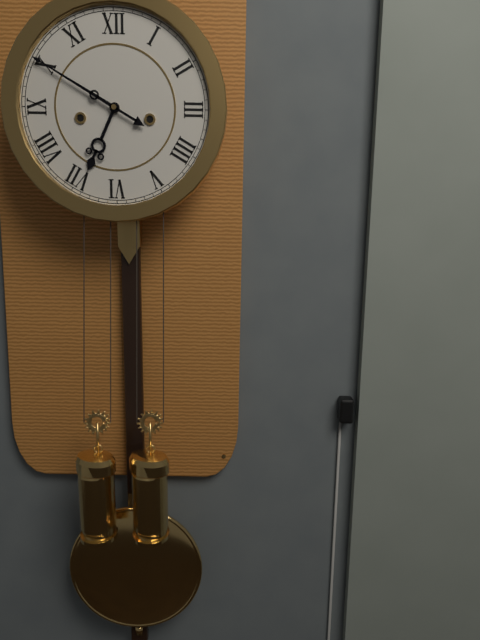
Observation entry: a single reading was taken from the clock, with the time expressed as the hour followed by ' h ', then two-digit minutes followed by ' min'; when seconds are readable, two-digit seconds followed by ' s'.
6 h 50 min
